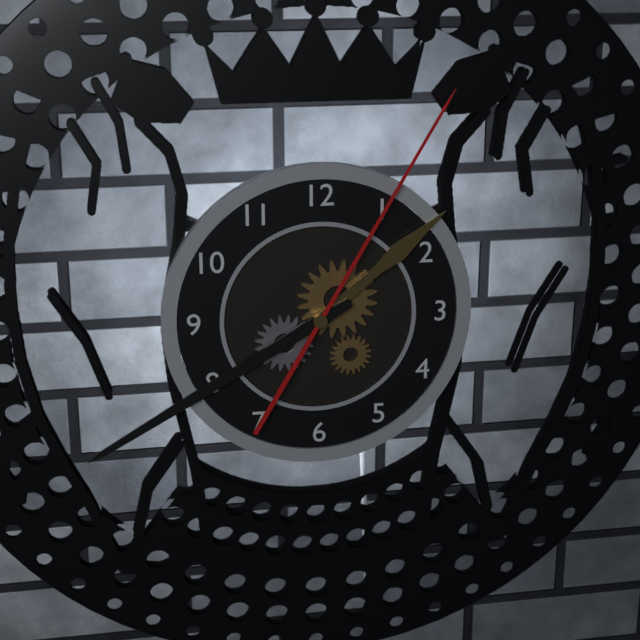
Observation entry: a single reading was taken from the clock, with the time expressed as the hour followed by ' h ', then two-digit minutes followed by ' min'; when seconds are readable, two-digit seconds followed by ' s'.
1 h 40 min 05 s
